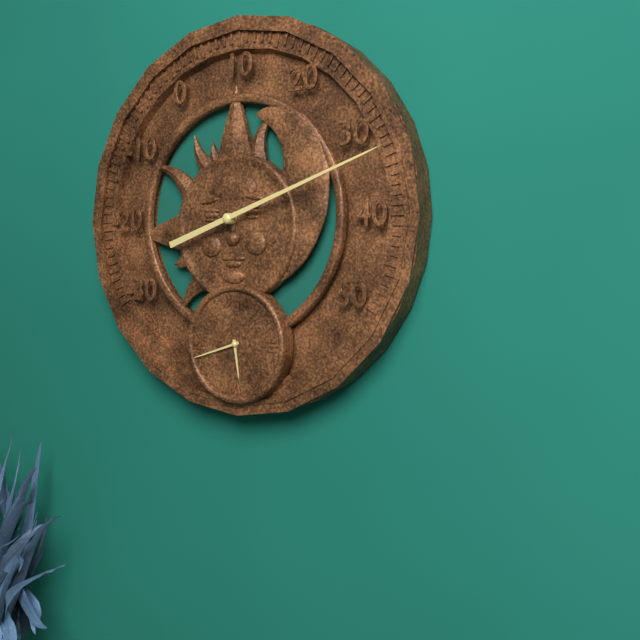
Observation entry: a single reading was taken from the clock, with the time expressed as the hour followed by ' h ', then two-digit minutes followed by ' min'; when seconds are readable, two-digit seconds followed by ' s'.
5 h 42 min
